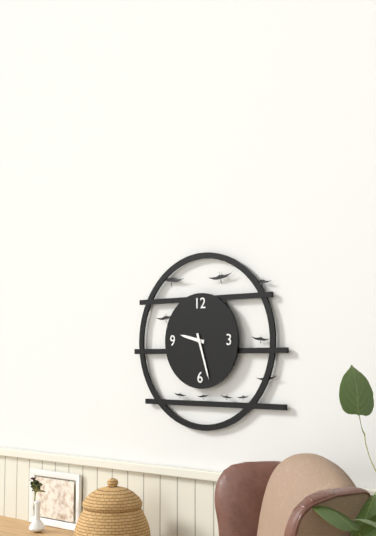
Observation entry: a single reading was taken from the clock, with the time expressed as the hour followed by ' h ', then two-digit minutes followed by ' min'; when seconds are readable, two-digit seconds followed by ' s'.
9 h 27 min
